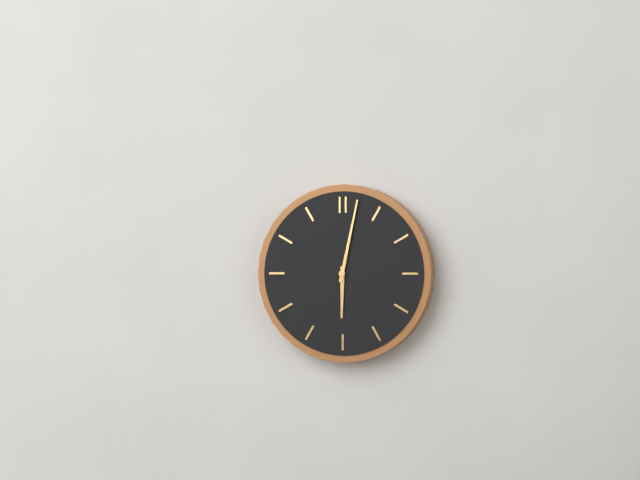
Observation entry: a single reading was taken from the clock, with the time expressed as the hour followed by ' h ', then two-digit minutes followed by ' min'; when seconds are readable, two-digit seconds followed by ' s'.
6 h 02 min
